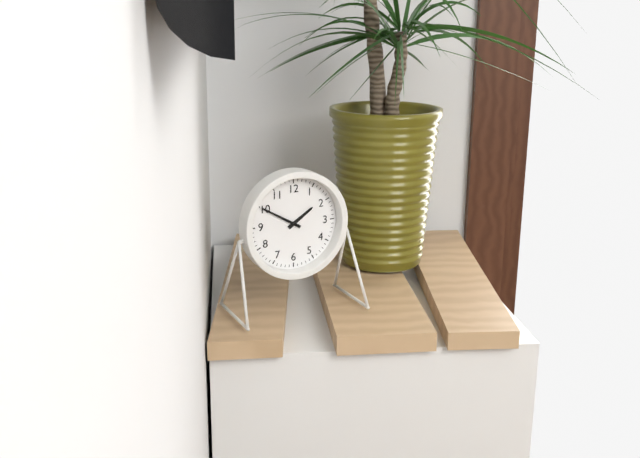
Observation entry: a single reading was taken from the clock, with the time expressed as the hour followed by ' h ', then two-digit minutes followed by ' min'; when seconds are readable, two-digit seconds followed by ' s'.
1 h 50 min
